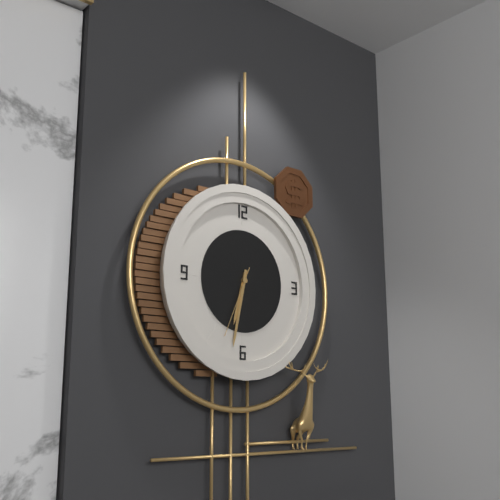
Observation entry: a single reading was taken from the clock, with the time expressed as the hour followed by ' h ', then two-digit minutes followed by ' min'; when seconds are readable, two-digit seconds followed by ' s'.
6 h 32 min 34 s
